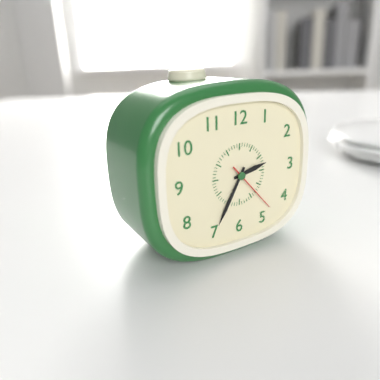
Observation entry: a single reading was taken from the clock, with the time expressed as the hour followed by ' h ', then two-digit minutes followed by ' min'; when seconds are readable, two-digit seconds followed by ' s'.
2 h 35 min 23 s
